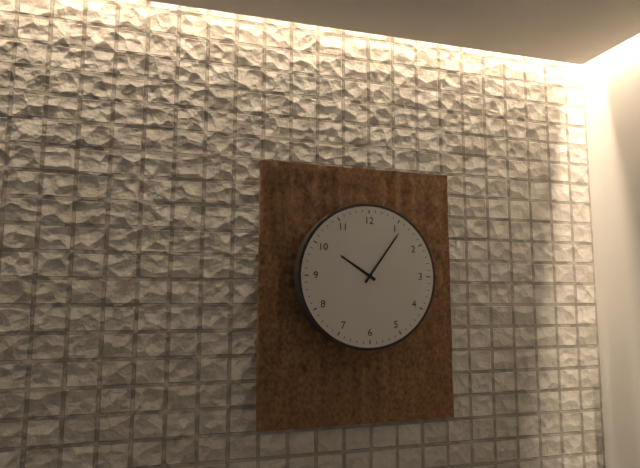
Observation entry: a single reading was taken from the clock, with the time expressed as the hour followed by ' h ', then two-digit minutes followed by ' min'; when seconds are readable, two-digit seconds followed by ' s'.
10 h 06 min
